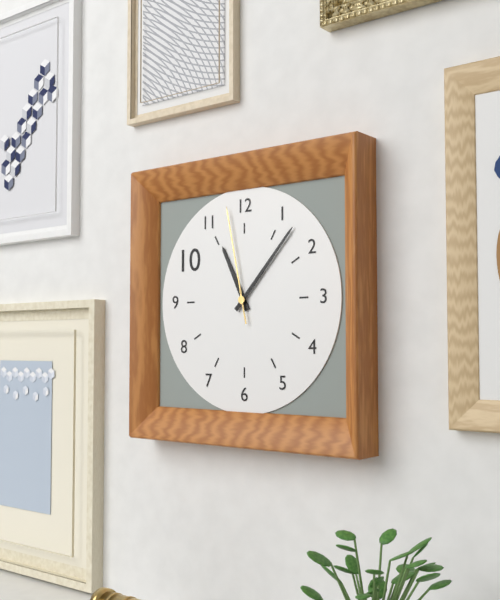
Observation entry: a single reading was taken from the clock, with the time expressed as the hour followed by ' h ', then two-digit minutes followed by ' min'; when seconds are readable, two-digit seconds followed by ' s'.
11 h 07 min 58 s
